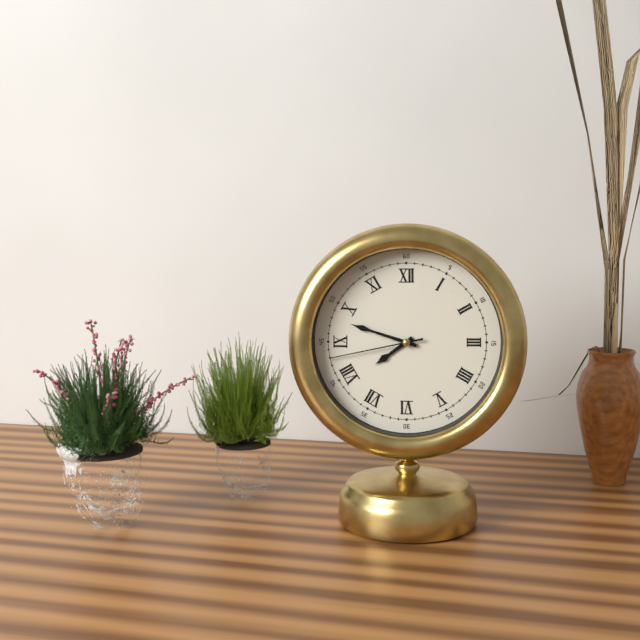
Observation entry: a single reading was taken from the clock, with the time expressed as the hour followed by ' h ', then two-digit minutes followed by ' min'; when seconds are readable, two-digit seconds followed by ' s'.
7 h 48 min 43 s
